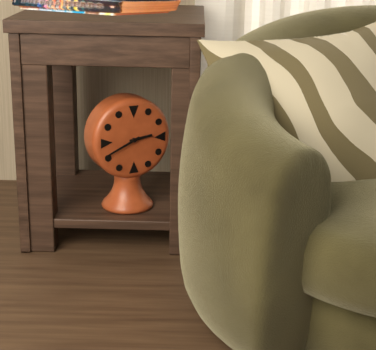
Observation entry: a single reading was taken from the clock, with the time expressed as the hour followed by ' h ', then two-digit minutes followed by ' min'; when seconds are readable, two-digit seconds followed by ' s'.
2 h 41 min
